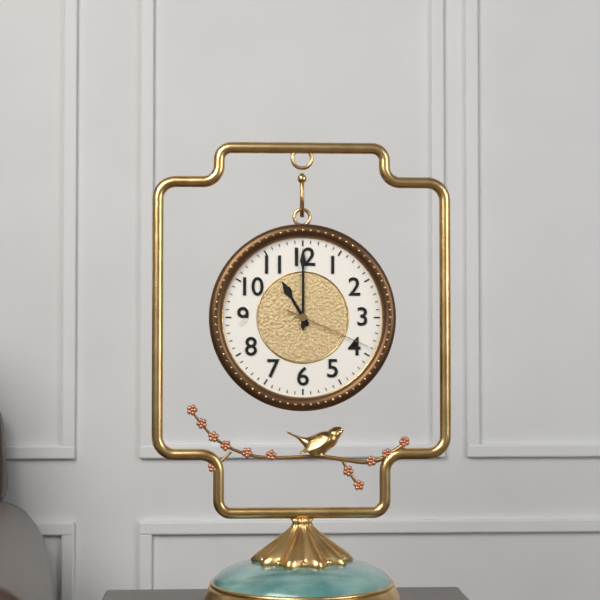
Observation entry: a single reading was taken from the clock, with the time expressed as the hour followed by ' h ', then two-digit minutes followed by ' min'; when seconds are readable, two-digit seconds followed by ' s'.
11 h 00 min 19 s
